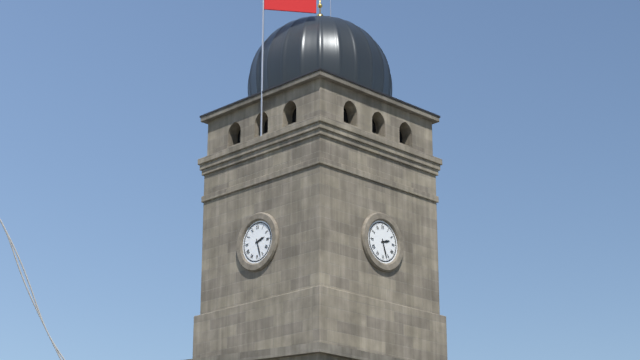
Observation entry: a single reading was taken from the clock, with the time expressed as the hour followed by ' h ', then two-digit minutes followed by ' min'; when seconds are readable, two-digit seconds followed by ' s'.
2 h 27 min
